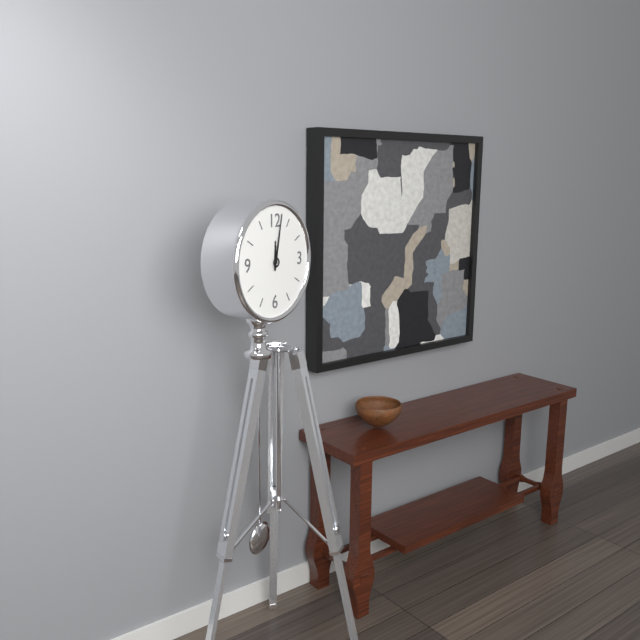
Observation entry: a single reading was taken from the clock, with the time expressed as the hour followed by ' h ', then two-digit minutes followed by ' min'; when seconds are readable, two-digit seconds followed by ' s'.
12 h 02 min
